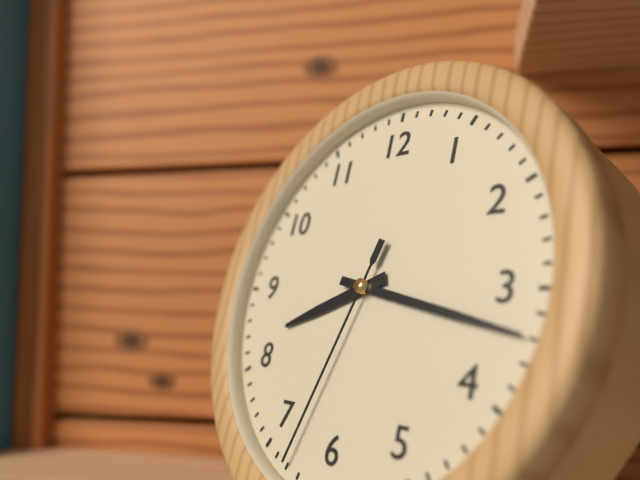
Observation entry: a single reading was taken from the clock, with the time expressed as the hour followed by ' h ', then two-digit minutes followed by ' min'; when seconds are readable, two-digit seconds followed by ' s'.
8 h 17 min 33 s
